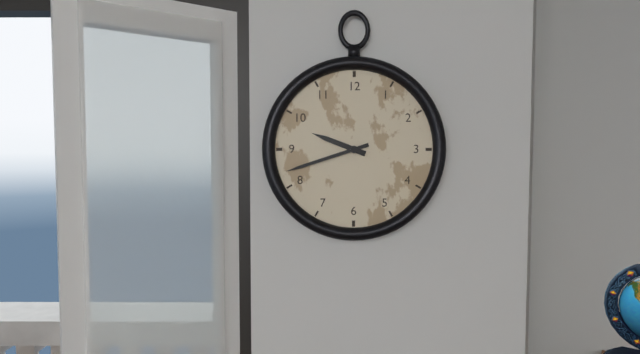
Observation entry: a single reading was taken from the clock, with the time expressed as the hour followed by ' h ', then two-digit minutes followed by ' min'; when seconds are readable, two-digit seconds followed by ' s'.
9 h 42 min
